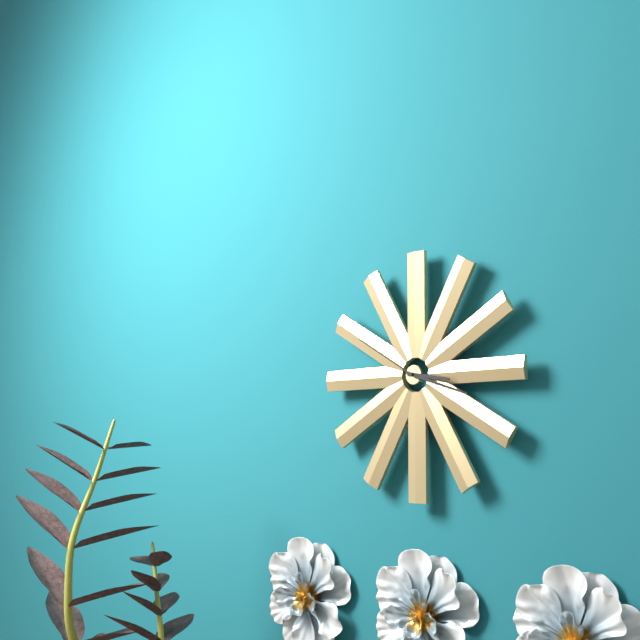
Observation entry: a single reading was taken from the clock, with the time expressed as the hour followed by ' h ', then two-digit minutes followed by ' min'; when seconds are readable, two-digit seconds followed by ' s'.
3 h 18 min 50 s
